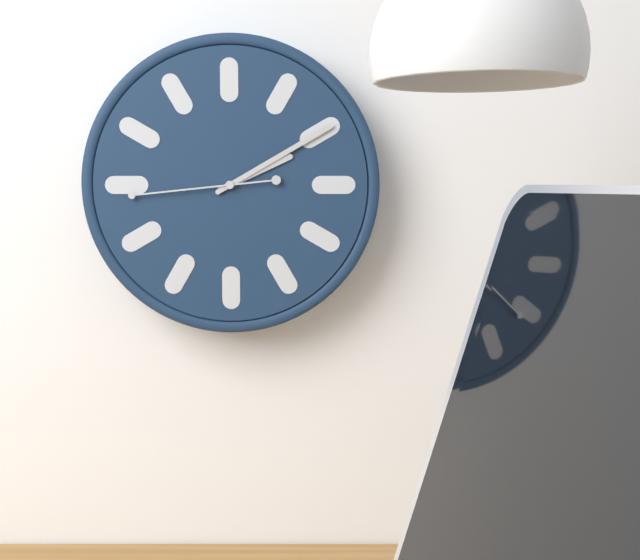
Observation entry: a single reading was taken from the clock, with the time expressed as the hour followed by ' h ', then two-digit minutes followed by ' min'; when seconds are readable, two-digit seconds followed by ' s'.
2 h 10 min 44 s
